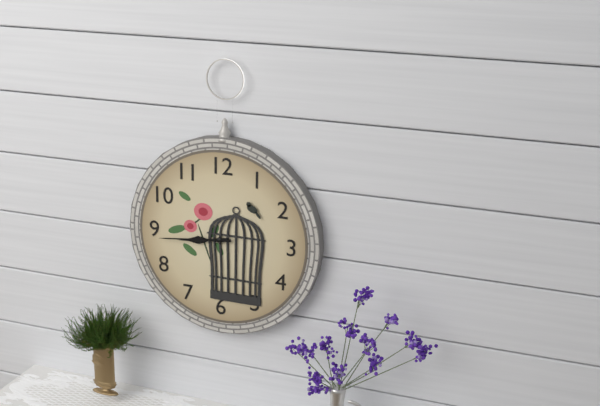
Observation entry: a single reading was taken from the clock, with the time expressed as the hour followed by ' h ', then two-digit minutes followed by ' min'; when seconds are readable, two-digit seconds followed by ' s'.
8 h 44 min
